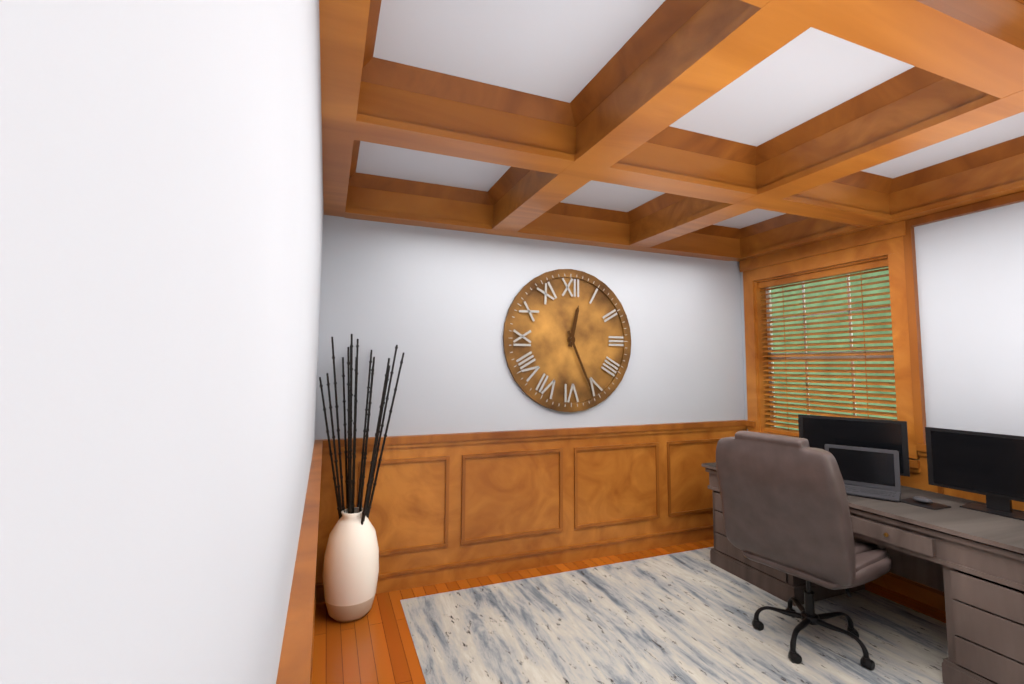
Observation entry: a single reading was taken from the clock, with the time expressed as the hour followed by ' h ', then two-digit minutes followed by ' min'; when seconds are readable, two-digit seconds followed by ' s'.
12 h 26 min
